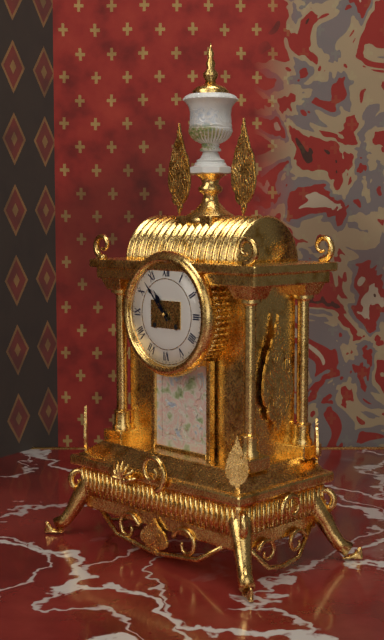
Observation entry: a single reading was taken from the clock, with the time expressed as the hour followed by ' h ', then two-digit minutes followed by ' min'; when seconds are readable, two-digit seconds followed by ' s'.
10 h 53 min
